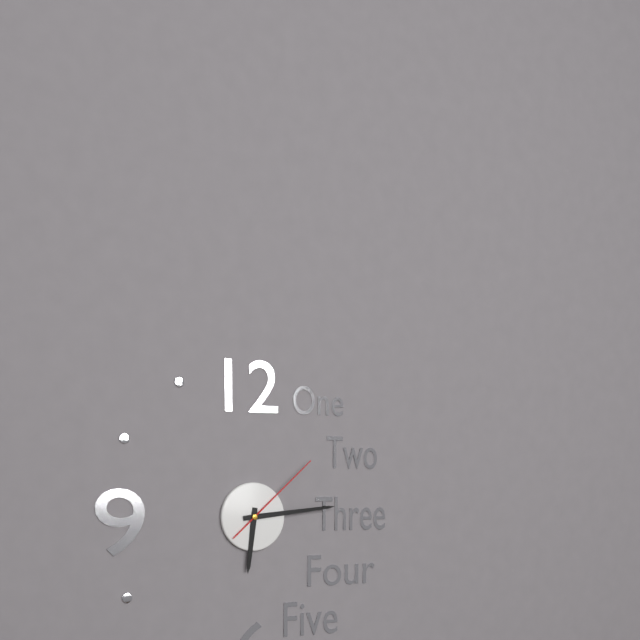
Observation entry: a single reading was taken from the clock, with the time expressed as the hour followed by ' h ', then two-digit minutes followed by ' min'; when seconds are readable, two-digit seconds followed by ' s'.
6 h 14 min 08 s
